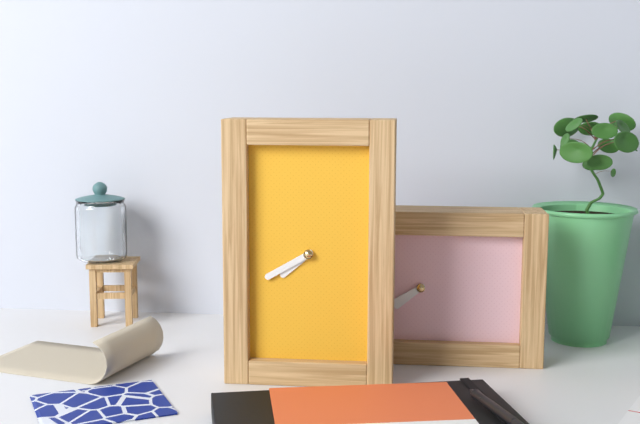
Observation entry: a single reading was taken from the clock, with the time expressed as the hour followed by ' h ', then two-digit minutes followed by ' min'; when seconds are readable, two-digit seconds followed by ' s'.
7 h 40 min
